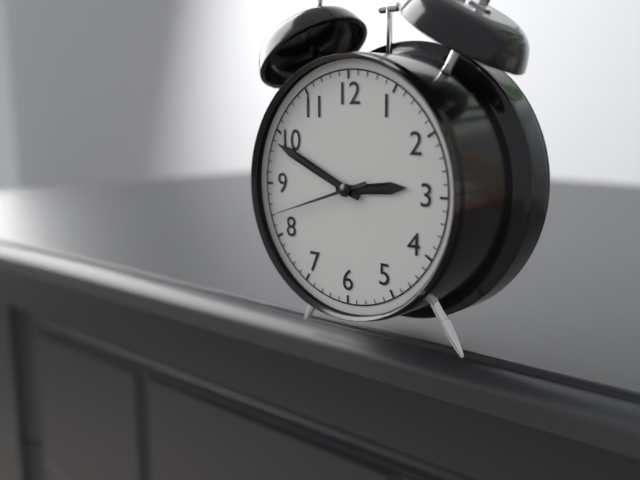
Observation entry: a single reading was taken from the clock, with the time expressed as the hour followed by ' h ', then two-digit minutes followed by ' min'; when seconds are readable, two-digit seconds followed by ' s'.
2 h 49 min 42 s
